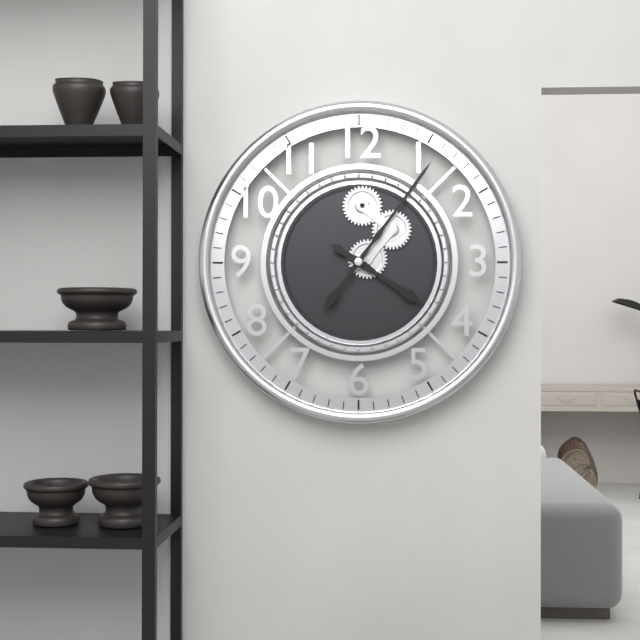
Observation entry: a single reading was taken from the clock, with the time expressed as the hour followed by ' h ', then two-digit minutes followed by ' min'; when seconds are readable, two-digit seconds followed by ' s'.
4 h 06 min
